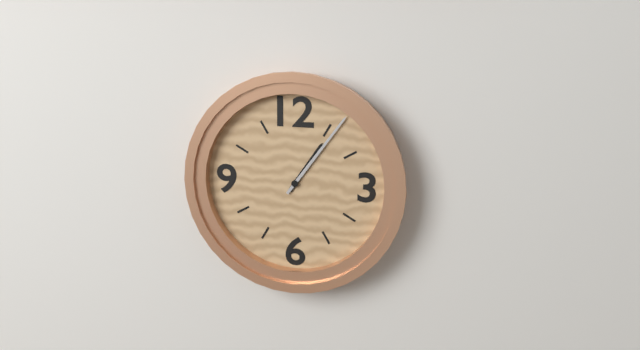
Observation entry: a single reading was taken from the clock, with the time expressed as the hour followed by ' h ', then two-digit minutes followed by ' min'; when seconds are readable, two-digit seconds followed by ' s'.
1 h 06 min
